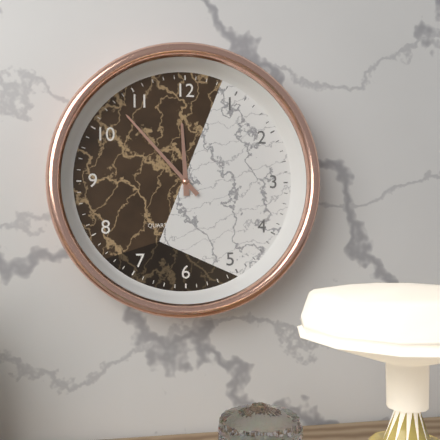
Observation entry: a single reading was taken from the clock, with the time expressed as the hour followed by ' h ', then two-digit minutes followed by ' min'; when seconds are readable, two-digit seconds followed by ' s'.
11 h 53 min
